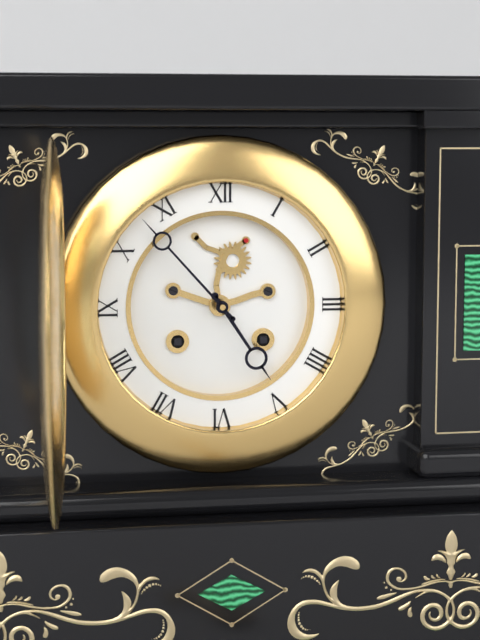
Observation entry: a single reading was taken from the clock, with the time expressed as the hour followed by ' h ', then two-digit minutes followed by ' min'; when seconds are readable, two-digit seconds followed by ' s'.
4 h 53 min
